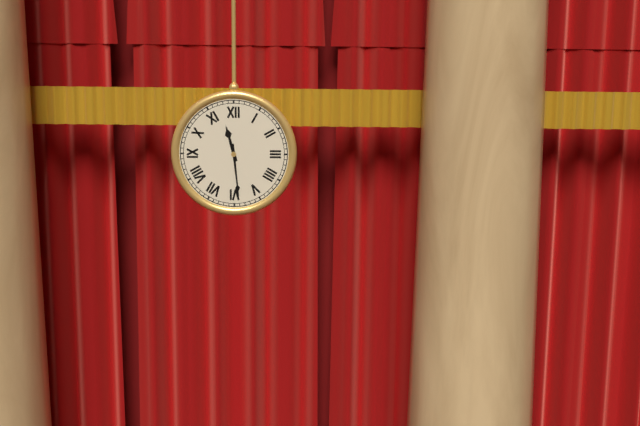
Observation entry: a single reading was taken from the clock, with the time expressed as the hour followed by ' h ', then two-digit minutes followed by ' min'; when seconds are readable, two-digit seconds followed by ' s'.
11 h 29 min
